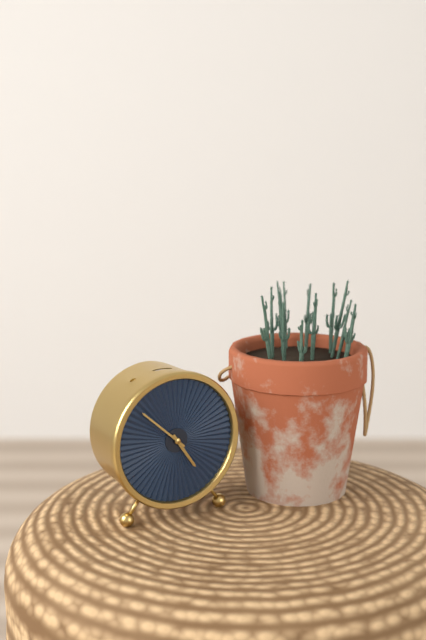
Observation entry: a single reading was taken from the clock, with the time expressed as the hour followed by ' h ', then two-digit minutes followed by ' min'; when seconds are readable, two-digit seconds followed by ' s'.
4 h 52 min
